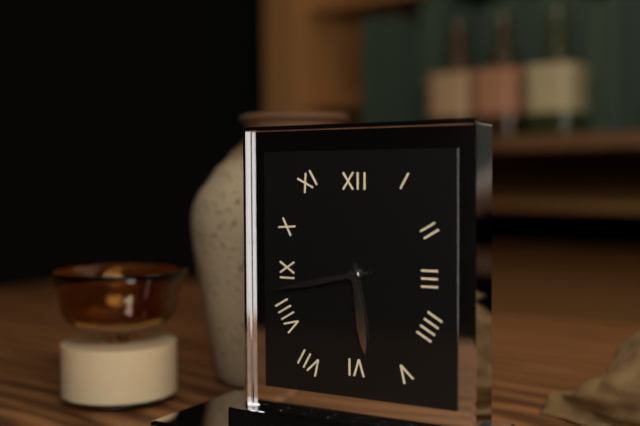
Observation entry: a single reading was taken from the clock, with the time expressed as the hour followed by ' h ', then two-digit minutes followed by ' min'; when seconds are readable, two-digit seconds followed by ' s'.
5 h 43 min
